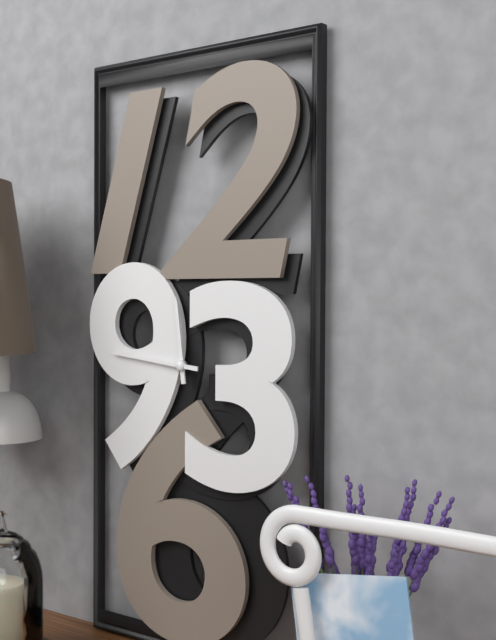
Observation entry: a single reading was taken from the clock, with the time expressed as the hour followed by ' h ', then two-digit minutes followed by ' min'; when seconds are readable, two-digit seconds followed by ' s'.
11 h 46 min
